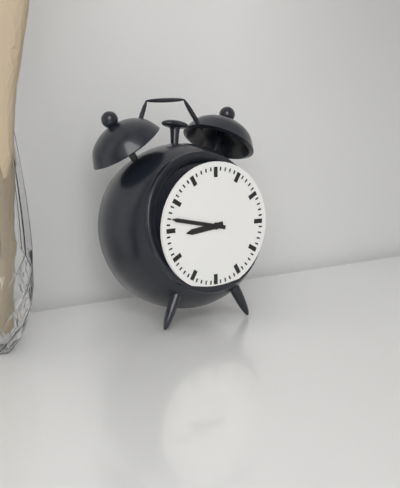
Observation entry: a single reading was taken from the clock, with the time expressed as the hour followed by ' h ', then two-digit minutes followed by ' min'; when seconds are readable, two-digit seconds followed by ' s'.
8 h 47 min
